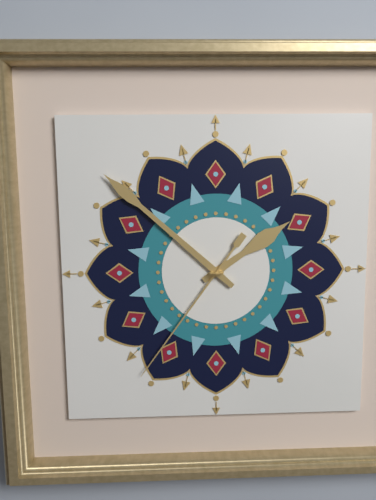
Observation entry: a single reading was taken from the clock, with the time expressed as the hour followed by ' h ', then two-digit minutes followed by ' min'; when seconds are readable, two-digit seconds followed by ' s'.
1 h 52 min 36 s
